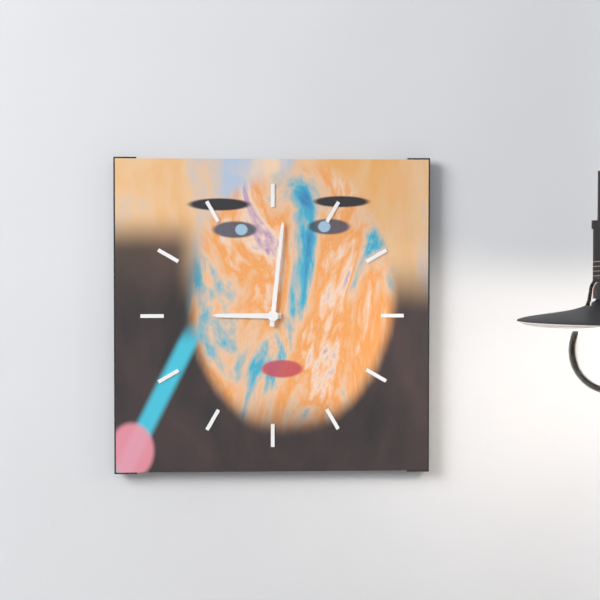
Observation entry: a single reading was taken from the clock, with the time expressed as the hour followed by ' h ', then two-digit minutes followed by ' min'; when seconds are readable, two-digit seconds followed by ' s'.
9 h 01 min
